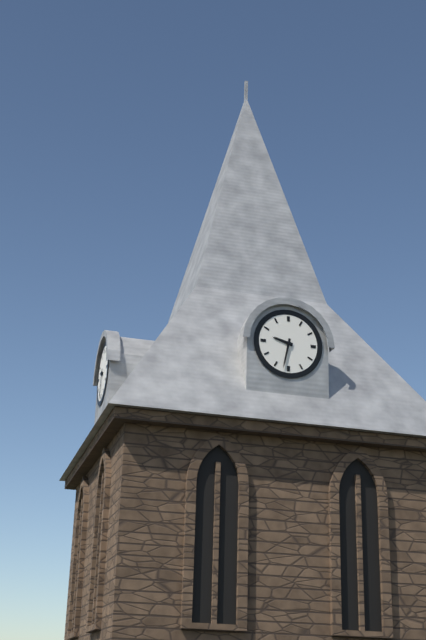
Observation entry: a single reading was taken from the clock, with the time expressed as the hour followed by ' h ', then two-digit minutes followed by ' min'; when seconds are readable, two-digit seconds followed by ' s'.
9 h 32 min
